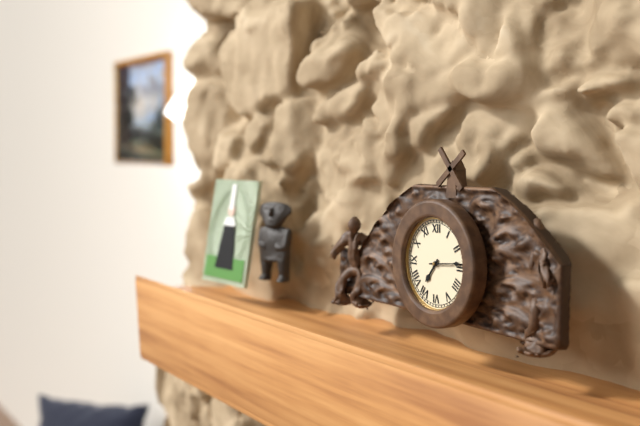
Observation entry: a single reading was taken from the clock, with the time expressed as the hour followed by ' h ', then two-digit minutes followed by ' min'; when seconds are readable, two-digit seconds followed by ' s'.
7 h 14 min
